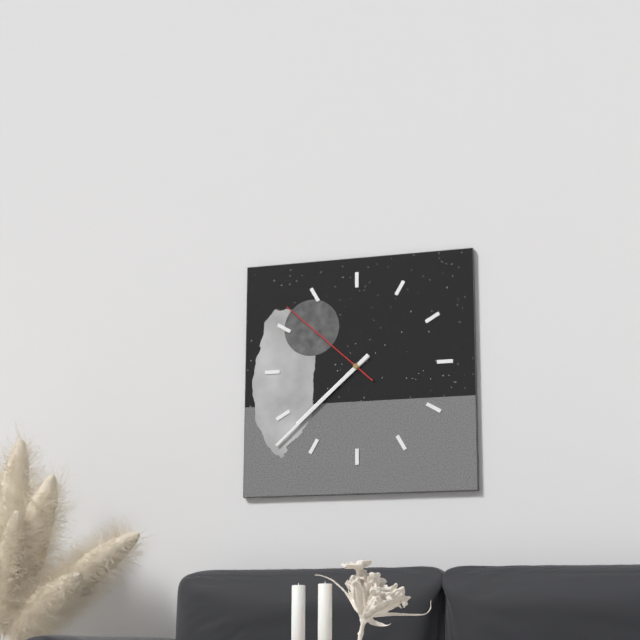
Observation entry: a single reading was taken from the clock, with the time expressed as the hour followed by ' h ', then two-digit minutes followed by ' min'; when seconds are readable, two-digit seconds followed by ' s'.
7 h 38 min 52 s
